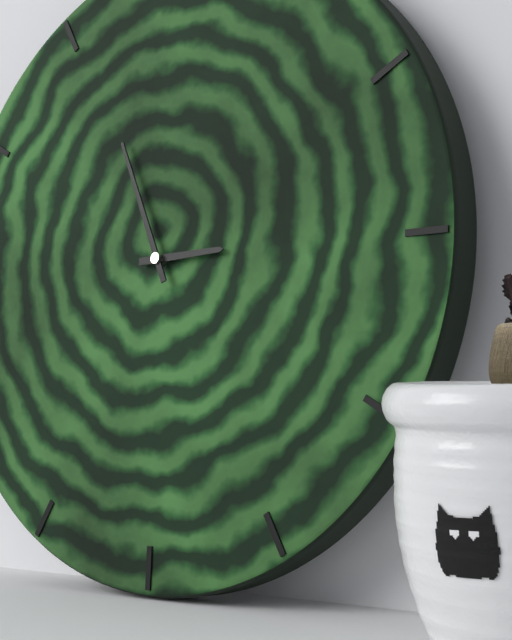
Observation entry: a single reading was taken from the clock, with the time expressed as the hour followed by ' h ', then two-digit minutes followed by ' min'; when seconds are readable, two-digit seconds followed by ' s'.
2 h 56 min
